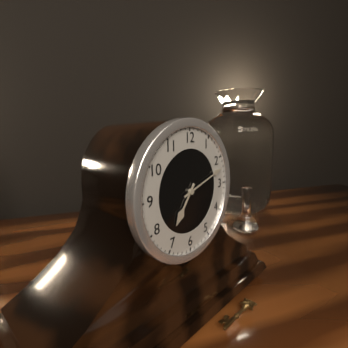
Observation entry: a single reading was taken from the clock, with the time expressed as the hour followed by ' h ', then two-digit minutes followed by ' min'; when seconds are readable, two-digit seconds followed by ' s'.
7 h 12 min
